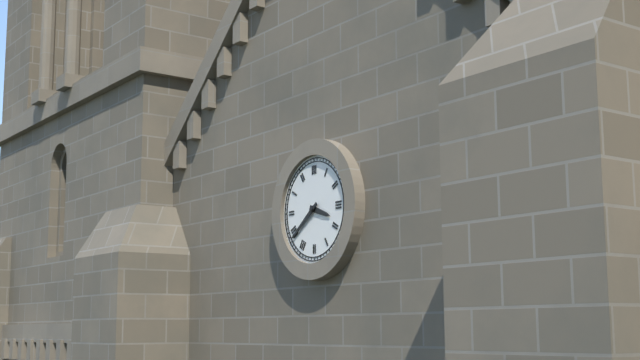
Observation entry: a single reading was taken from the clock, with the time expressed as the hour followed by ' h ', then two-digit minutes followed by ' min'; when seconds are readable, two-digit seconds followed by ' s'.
3 h 39 min
